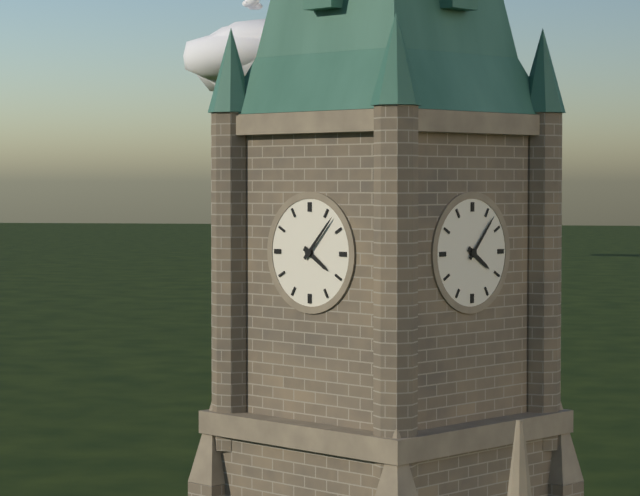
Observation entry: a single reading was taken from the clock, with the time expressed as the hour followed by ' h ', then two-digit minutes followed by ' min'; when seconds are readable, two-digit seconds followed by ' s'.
4 h 07 min
